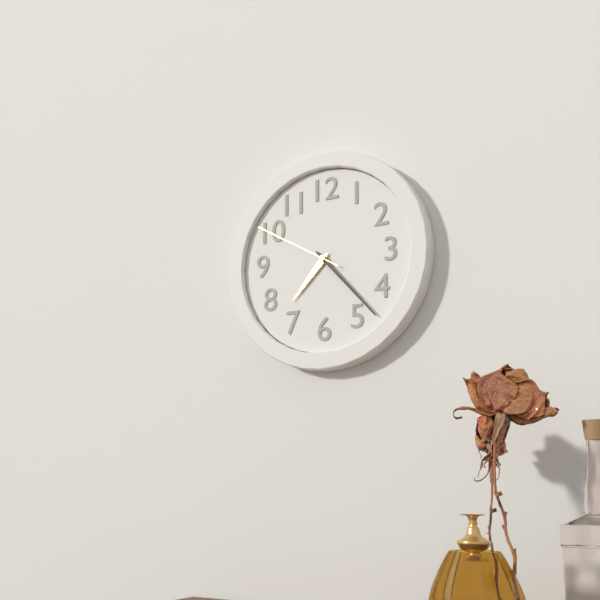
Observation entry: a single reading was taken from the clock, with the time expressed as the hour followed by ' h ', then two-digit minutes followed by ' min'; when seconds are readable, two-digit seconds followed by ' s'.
7 h 23 min 50 s
